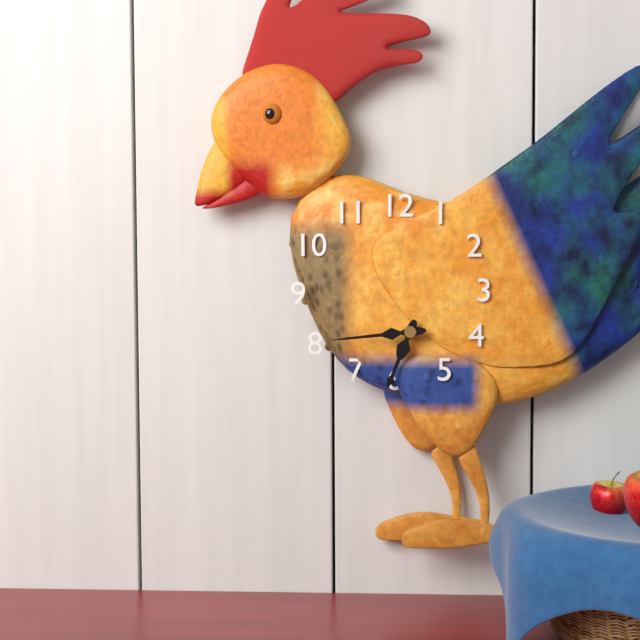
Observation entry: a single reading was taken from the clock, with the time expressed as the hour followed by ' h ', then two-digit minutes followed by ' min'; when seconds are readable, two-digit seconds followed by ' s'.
6 h 44 min
